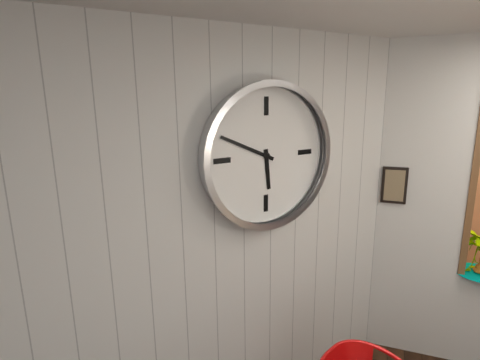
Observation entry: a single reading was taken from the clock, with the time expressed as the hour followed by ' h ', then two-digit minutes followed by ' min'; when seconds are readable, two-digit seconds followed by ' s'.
5 h 49 min
